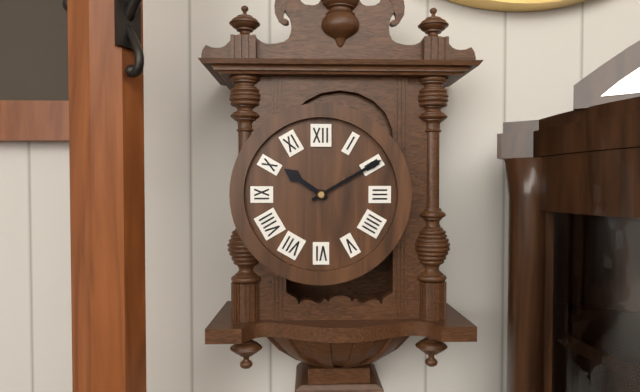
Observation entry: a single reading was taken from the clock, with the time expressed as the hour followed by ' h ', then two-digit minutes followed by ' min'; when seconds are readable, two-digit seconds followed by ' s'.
10 h 10 min
